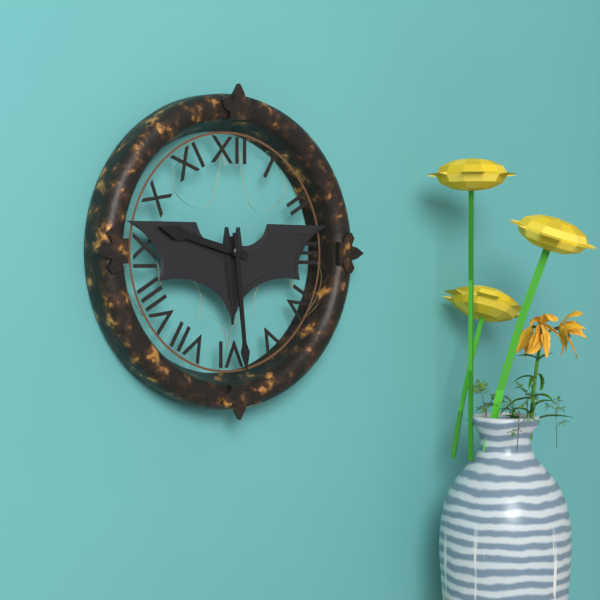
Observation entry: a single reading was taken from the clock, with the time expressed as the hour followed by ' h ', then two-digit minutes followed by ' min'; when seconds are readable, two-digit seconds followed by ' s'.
9 h 29 min
